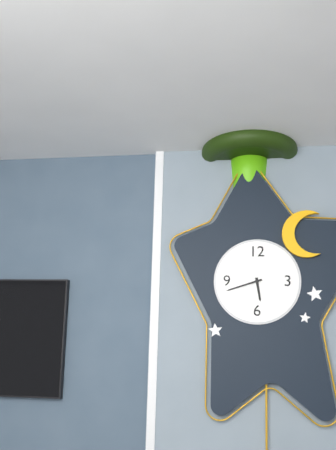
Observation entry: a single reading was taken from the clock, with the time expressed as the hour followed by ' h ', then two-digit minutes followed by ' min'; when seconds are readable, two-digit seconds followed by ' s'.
5 h 42 min
